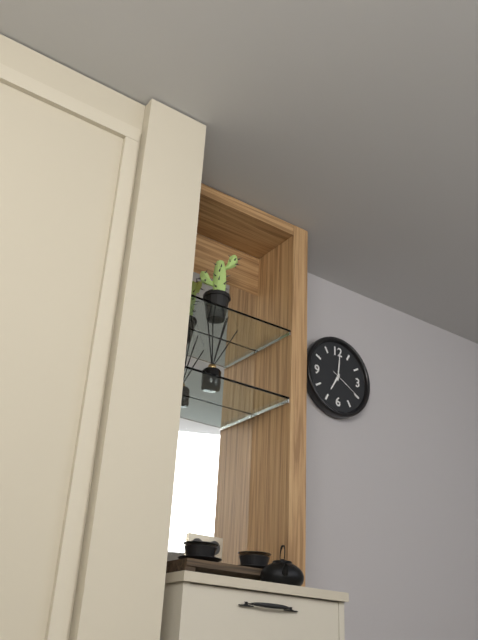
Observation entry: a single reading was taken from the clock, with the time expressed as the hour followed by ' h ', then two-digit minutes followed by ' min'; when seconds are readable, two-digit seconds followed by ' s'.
7 h 01 min
